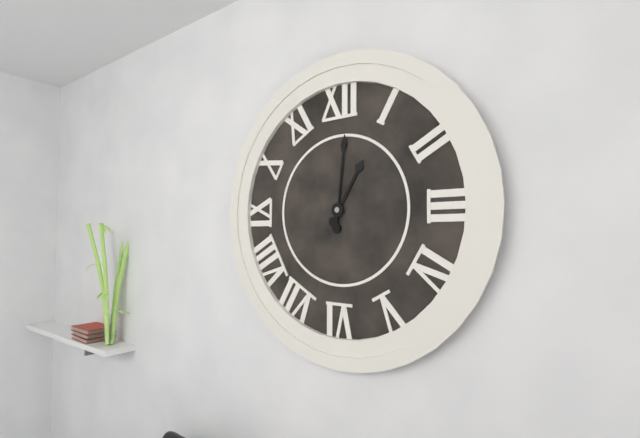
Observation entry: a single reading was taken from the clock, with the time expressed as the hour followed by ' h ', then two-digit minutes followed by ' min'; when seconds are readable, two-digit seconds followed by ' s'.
1 h 01 min
